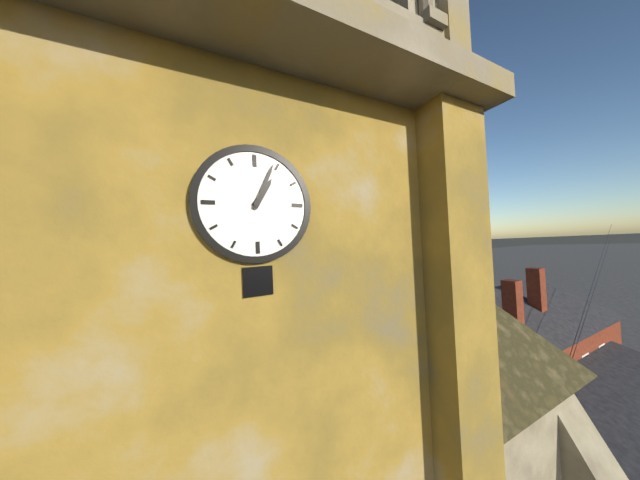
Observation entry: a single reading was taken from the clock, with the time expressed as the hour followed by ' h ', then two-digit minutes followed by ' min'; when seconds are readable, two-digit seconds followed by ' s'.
1 h 04 min
